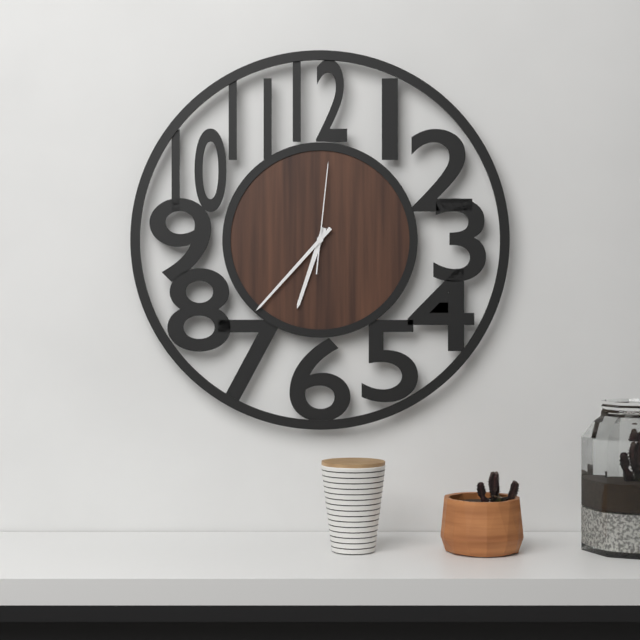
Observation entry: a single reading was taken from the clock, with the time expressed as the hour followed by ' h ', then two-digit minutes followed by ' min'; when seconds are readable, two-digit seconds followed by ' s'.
6 h 37 min 01 s
